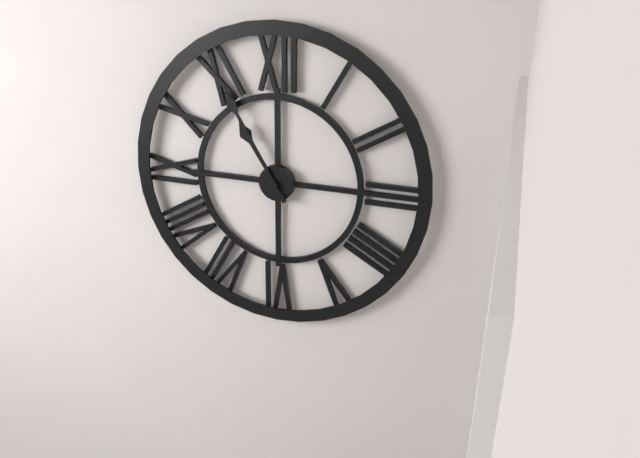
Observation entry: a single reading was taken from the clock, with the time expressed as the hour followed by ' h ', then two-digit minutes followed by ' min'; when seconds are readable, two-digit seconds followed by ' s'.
10 h 55 min
